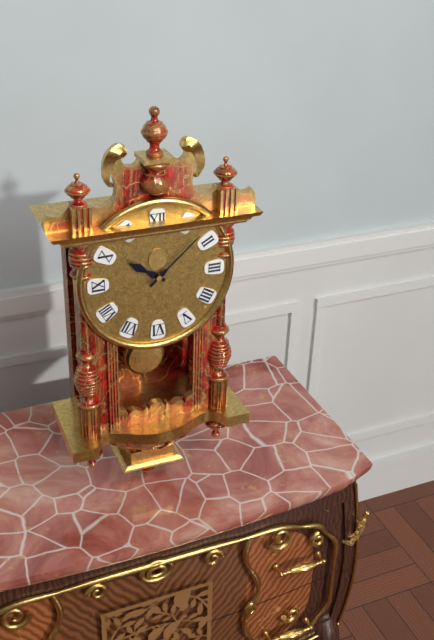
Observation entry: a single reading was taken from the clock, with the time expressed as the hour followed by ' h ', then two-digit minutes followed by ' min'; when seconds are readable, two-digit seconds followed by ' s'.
10 h 08 min
